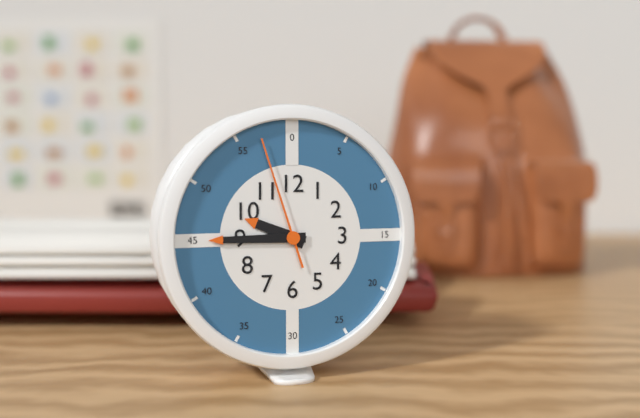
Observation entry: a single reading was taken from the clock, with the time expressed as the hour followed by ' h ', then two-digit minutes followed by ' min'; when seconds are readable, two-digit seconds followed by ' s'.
9 h 45 min 57 s
